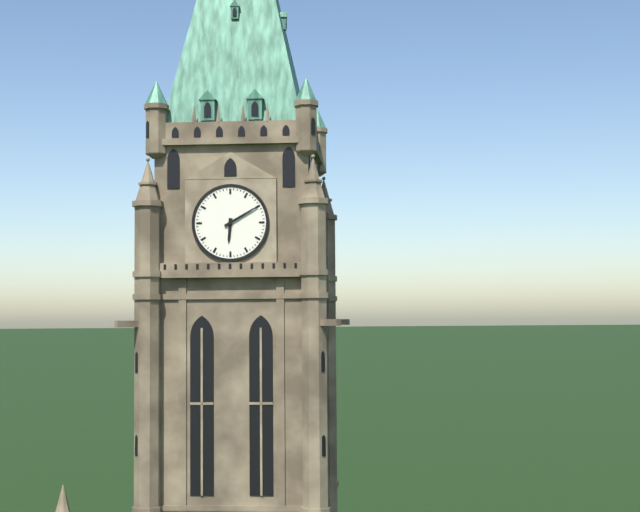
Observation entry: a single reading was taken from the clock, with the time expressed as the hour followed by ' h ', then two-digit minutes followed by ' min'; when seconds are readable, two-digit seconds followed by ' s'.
6 h 10 min
